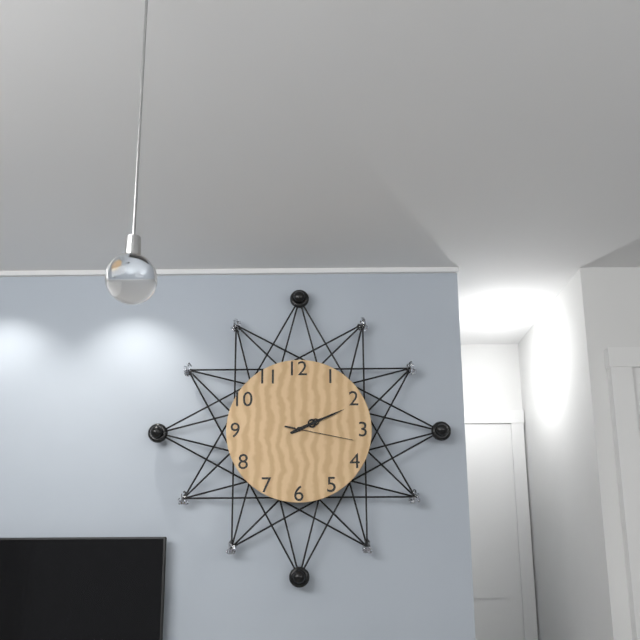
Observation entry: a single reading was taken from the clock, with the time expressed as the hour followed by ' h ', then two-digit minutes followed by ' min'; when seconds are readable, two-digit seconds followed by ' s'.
2 h 11 min 17 s
